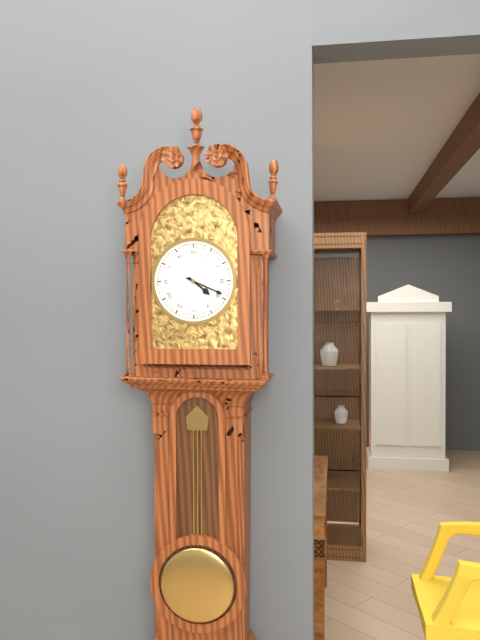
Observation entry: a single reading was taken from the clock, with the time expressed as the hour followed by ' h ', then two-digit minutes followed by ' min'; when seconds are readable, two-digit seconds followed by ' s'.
4 h 19 min
